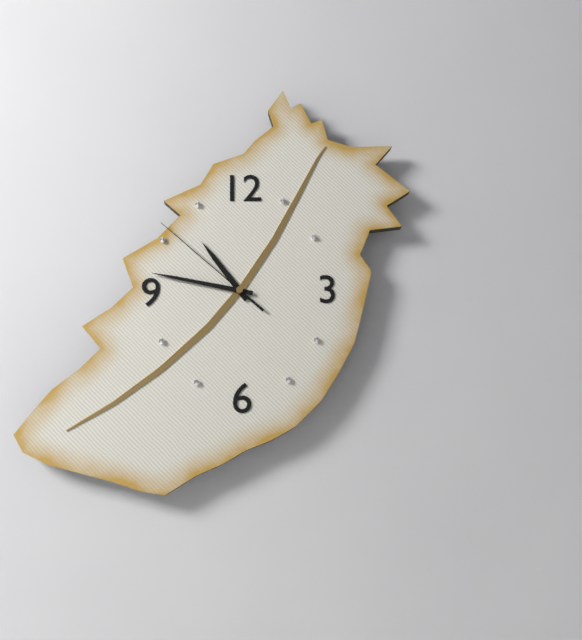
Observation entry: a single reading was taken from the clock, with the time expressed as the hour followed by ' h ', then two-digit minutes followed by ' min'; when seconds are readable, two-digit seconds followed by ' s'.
10 h 47 min 52 s
